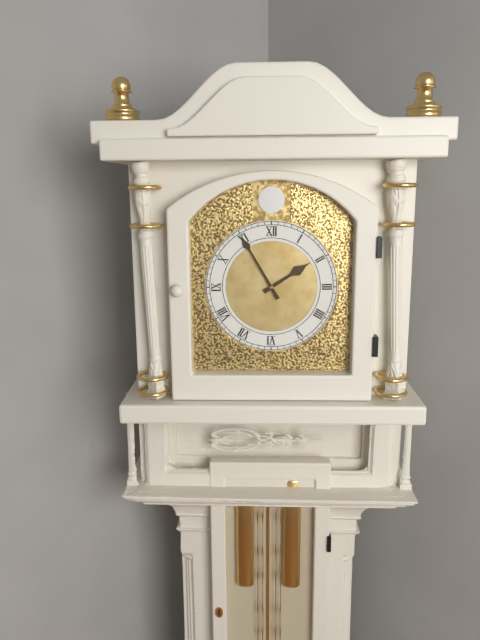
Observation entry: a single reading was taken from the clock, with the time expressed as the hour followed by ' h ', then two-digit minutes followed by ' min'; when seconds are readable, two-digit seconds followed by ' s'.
1 h 55 min
